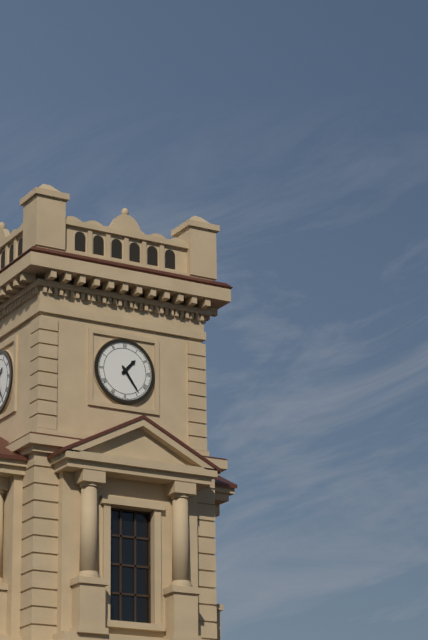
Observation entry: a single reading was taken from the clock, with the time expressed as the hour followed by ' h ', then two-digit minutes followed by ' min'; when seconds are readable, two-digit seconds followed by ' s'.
1 h 24 min
